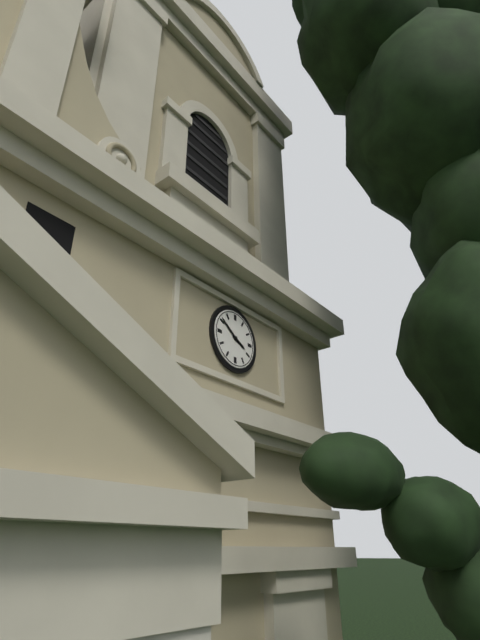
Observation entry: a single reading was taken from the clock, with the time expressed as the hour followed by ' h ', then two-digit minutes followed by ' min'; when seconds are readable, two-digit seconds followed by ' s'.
3 h 51 min
